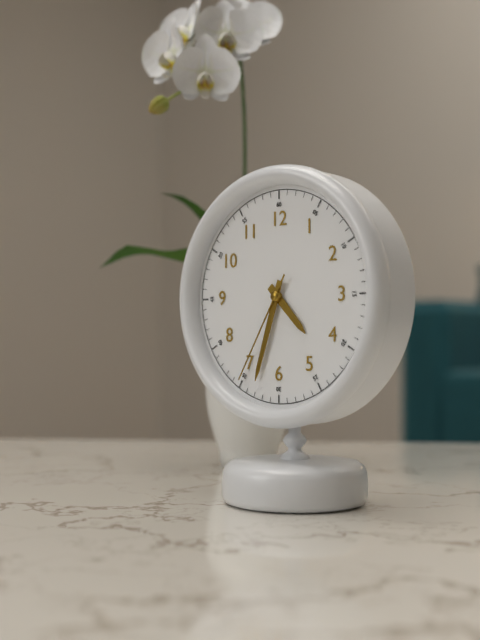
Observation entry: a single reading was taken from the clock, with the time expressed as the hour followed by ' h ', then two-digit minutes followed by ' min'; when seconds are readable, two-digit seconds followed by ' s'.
4 h 33 min 35 s
